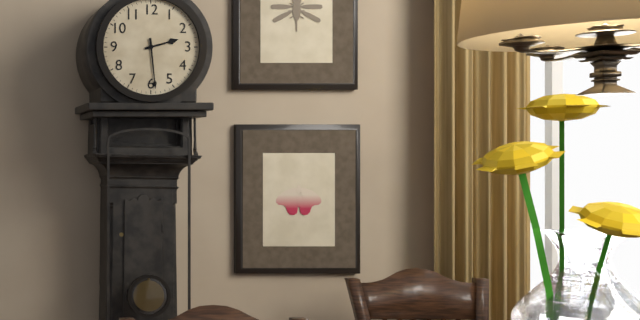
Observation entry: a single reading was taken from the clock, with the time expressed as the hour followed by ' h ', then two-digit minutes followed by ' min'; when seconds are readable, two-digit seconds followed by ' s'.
2 h 29 min
